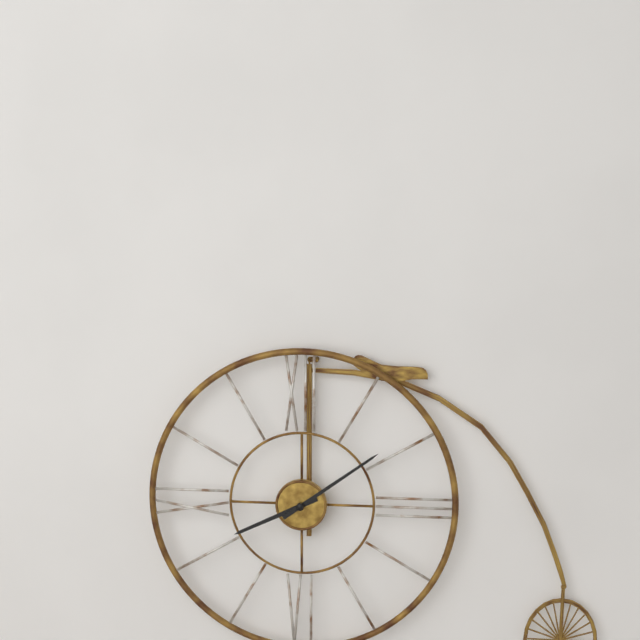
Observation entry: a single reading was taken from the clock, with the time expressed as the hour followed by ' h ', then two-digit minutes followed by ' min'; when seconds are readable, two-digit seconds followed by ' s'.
8 h 09 min
